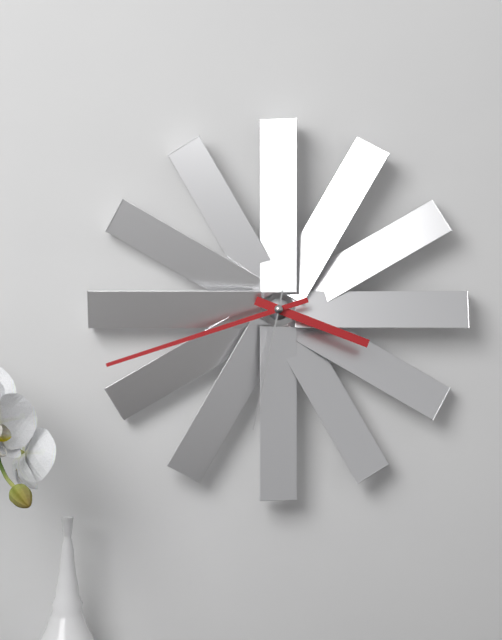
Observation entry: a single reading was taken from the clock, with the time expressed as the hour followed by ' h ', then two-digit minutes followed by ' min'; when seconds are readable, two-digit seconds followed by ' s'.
3 h 42 min 32 s
